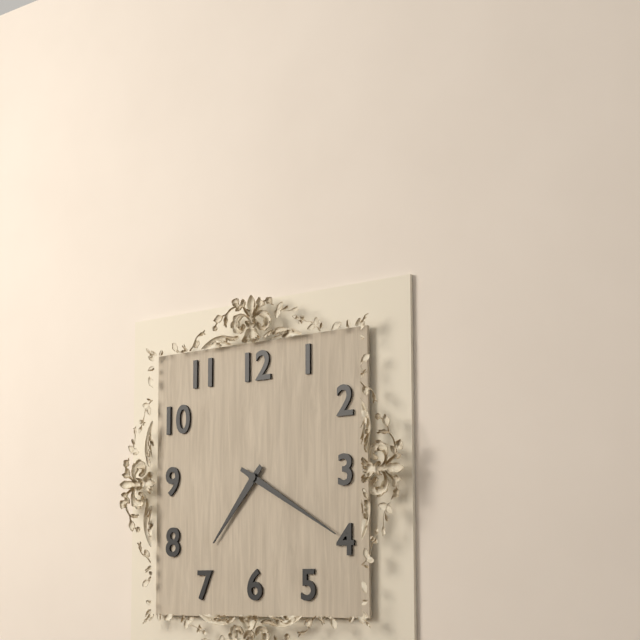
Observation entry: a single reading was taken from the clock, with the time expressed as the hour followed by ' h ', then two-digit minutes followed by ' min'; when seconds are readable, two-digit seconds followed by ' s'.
7 h 20 min
